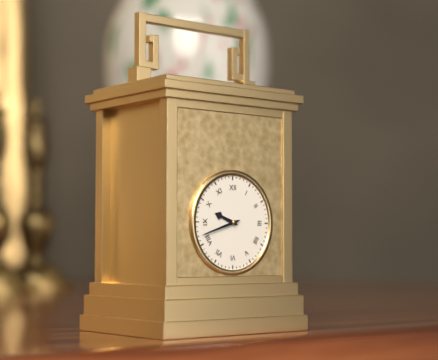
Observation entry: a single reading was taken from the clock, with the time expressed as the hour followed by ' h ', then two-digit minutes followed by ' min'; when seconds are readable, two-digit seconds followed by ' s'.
9 h 42 min
